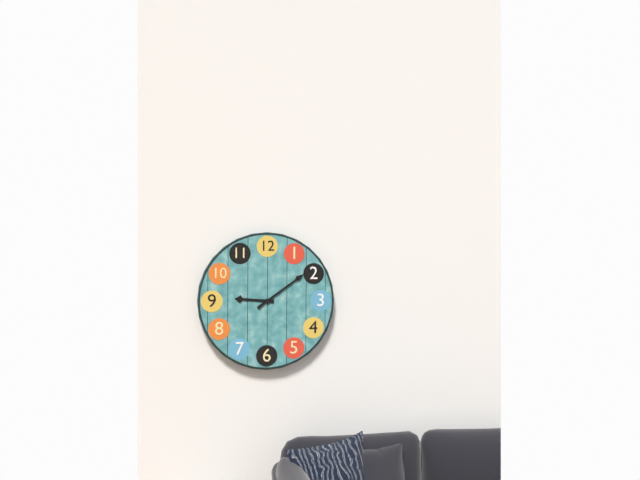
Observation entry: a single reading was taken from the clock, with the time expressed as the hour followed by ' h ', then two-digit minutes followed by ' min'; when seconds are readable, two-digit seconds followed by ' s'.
9 h 09 min
